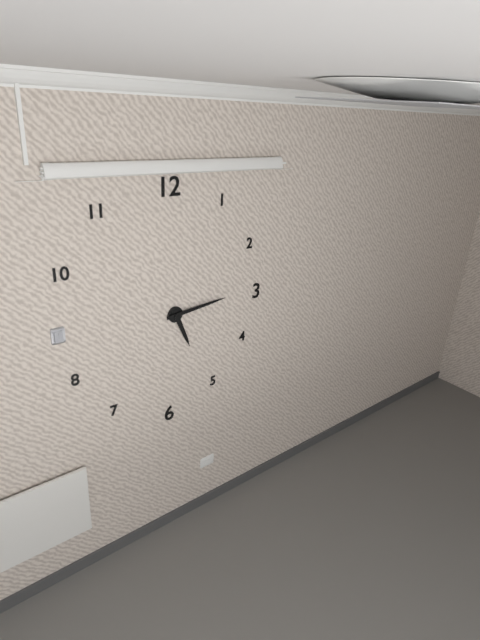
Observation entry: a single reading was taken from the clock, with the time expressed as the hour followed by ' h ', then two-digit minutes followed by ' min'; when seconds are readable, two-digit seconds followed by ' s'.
5 h 14 min
